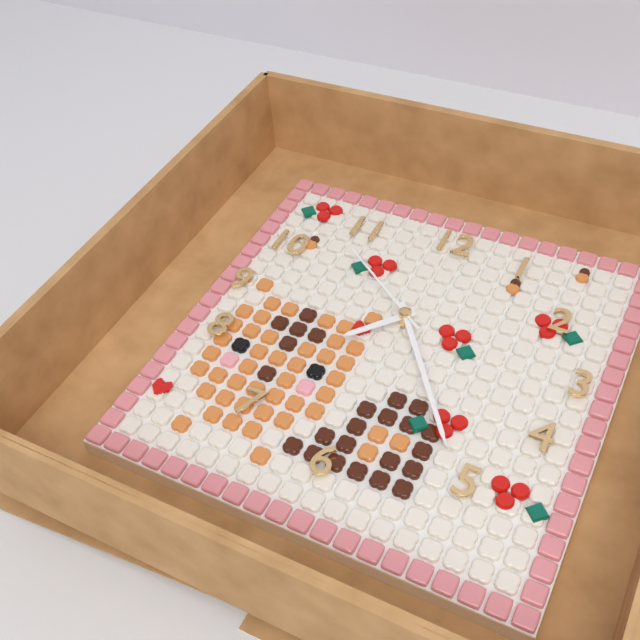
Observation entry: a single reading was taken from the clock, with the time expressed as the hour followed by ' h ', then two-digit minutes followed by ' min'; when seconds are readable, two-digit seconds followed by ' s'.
7 h 24 min 51 s
